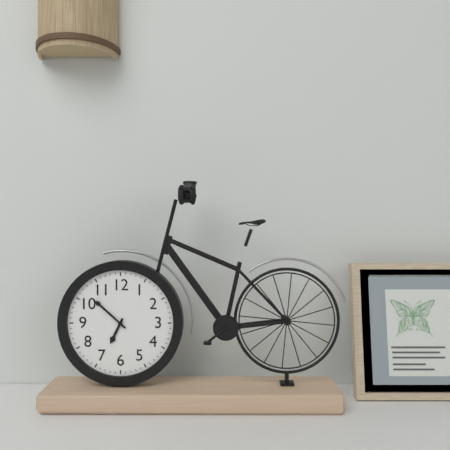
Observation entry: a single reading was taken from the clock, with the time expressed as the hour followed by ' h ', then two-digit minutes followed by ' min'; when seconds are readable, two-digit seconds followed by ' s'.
6 h 52 min
